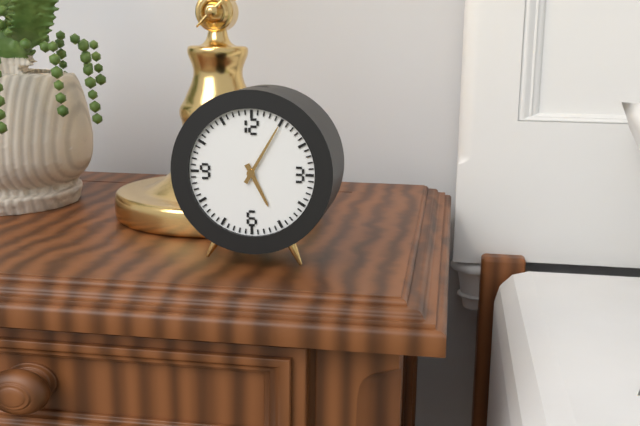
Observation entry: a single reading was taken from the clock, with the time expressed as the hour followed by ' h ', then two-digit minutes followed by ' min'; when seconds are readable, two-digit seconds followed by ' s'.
5 h 05 min
